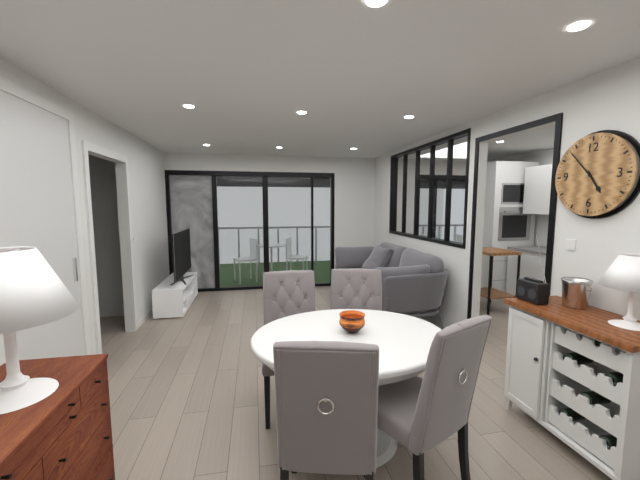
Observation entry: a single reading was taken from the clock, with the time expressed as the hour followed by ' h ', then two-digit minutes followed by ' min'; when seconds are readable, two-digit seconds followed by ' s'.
4 h 53 min
